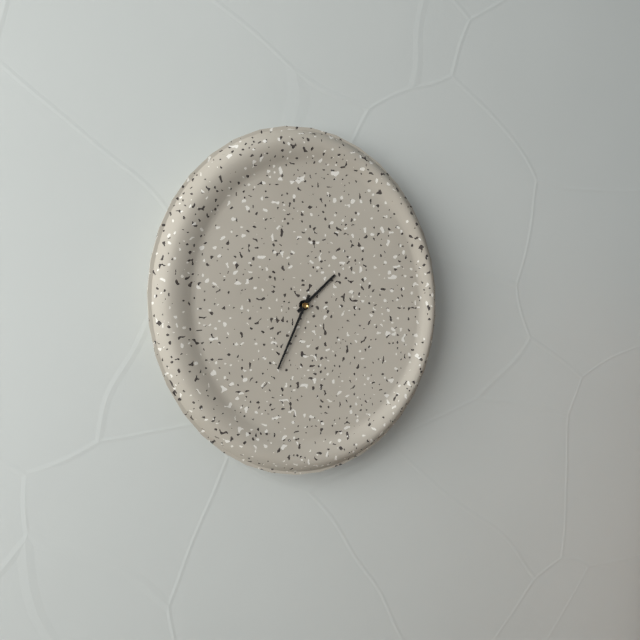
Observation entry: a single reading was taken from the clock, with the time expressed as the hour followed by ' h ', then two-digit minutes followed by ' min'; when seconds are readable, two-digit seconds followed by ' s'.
1 h 34 min
